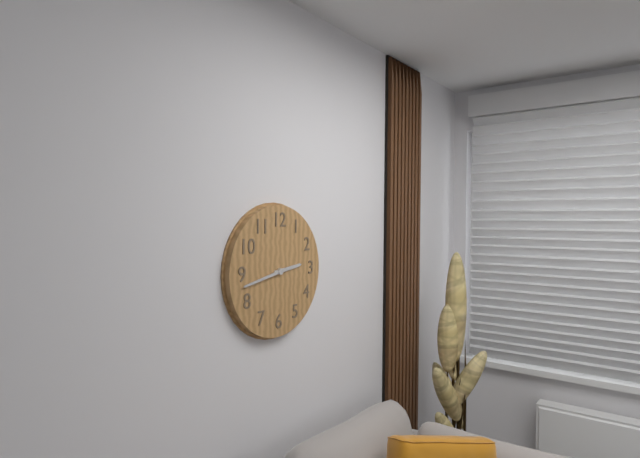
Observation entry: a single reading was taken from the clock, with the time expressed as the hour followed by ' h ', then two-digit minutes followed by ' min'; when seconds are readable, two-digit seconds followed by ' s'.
2 h 43 min
